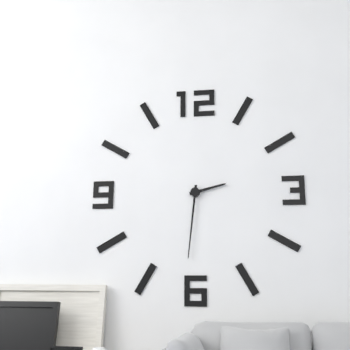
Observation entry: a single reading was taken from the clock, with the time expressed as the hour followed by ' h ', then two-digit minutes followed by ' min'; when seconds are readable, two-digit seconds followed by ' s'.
2 h 31 min
